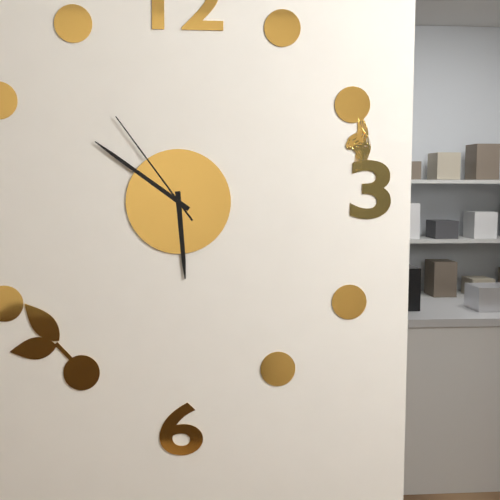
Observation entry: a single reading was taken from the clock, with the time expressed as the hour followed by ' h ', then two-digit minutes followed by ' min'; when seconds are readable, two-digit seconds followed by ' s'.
5 h 51 min 54 s
